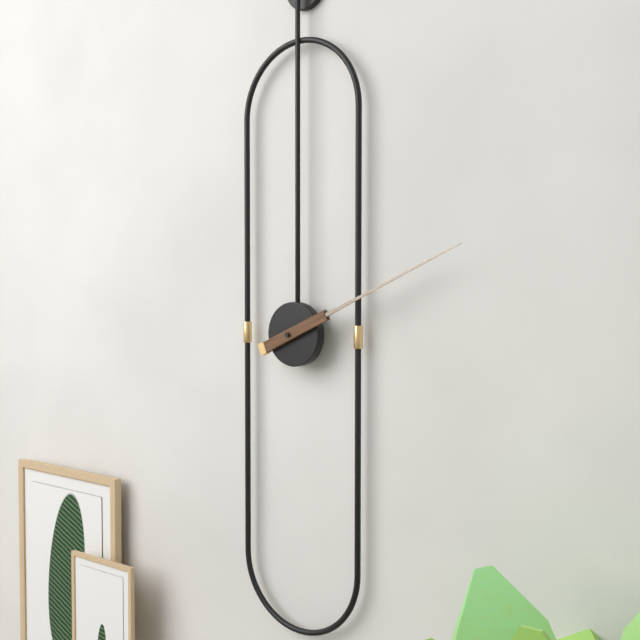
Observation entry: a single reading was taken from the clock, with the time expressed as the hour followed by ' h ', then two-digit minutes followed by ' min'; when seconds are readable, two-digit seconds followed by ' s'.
2 h 11 min
